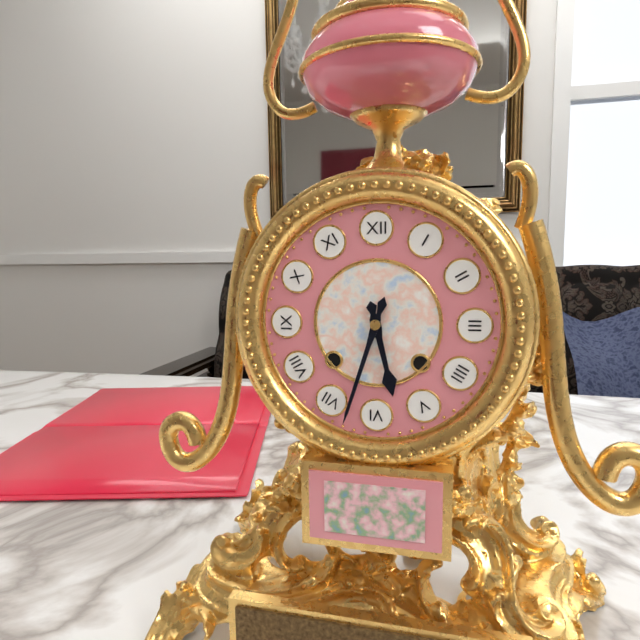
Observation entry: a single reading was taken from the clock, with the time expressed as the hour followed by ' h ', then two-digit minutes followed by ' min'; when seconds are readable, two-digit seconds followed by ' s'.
5 h 33 min
